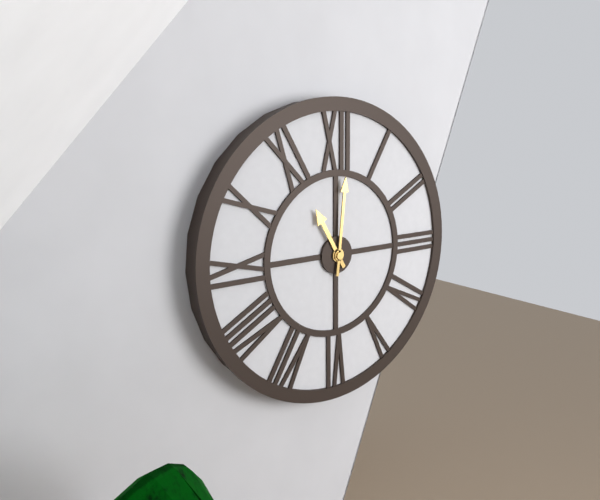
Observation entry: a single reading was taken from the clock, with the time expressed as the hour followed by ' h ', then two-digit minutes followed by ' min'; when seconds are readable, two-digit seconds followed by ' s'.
11 h 01 min
